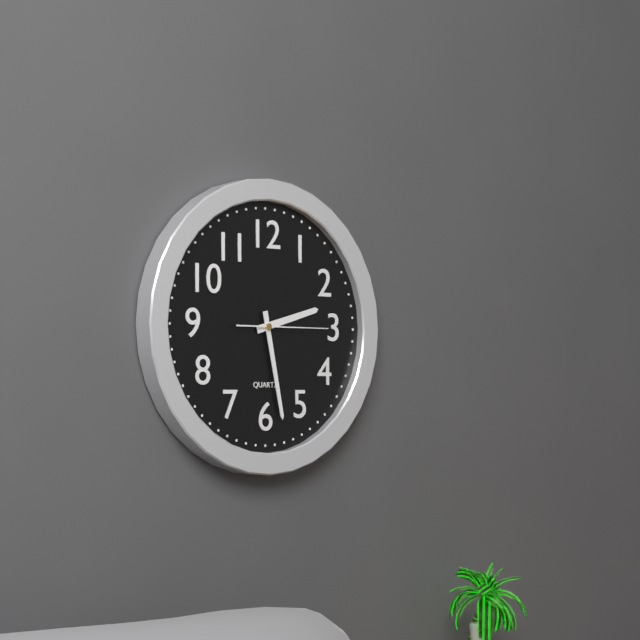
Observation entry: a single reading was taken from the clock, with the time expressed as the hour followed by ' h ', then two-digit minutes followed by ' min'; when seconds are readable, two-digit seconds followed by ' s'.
2 h 28 min 15 s
